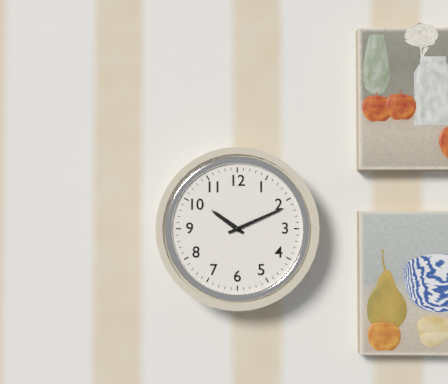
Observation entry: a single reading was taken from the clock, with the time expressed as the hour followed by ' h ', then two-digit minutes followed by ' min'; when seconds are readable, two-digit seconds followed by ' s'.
10 h 11 min
